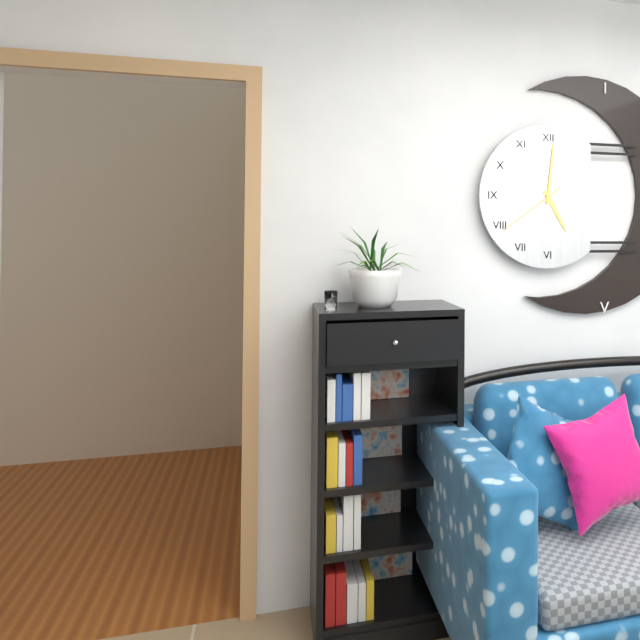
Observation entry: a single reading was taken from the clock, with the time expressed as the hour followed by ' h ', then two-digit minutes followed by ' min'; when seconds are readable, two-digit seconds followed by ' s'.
5 h 01 min 39 s
